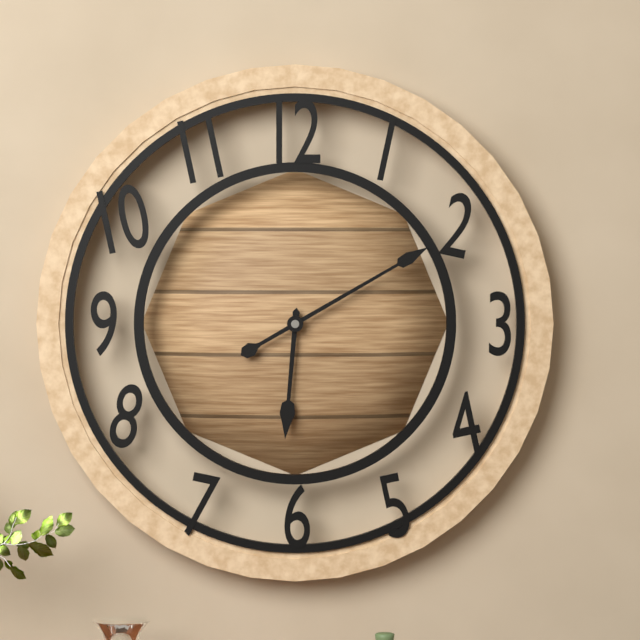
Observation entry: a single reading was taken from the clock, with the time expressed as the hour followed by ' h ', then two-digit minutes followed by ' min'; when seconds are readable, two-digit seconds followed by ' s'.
6 h 10 min
